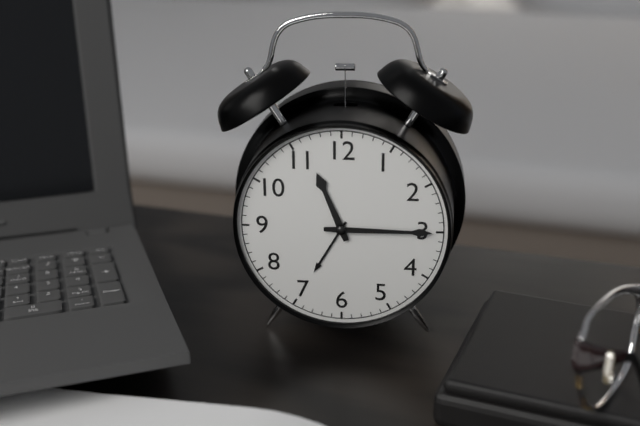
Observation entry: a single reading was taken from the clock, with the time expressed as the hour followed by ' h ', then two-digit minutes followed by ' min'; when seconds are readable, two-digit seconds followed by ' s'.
11 h 15 min
